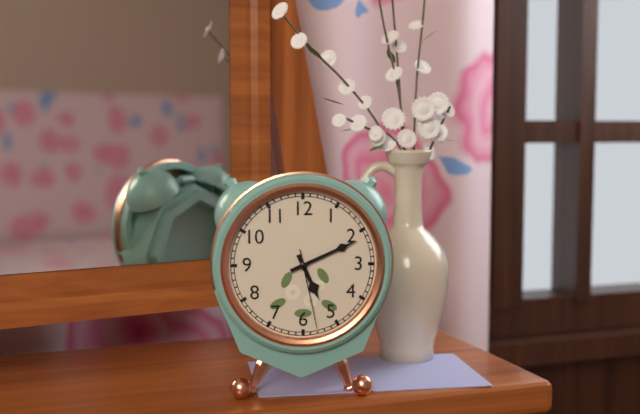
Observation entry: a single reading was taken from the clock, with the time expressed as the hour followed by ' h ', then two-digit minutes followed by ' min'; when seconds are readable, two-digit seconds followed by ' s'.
5 h 11 min 28 s
